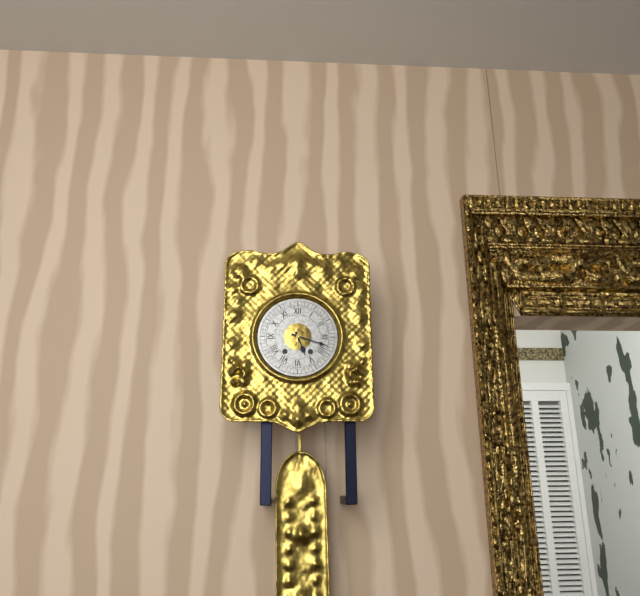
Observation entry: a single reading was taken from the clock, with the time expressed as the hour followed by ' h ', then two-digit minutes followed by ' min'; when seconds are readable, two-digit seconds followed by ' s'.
5 h 18 min
